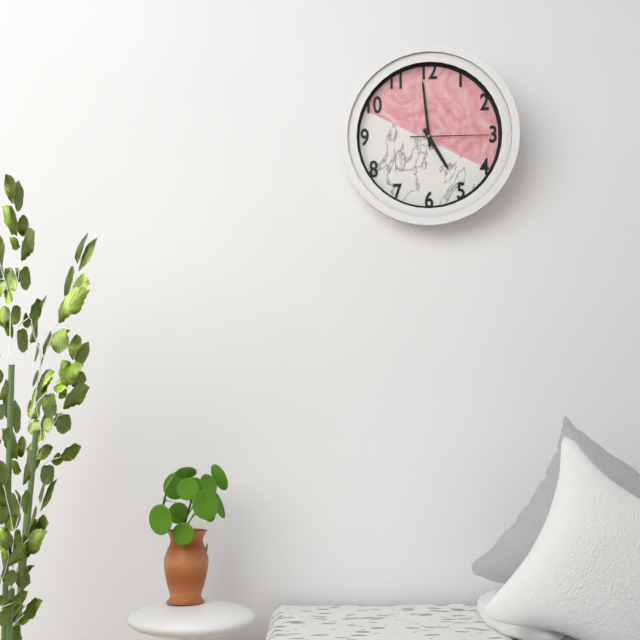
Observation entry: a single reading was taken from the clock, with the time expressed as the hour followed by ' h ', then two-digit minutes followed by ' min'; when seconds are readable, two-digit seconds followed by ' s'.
4 h 59 min 15 s
